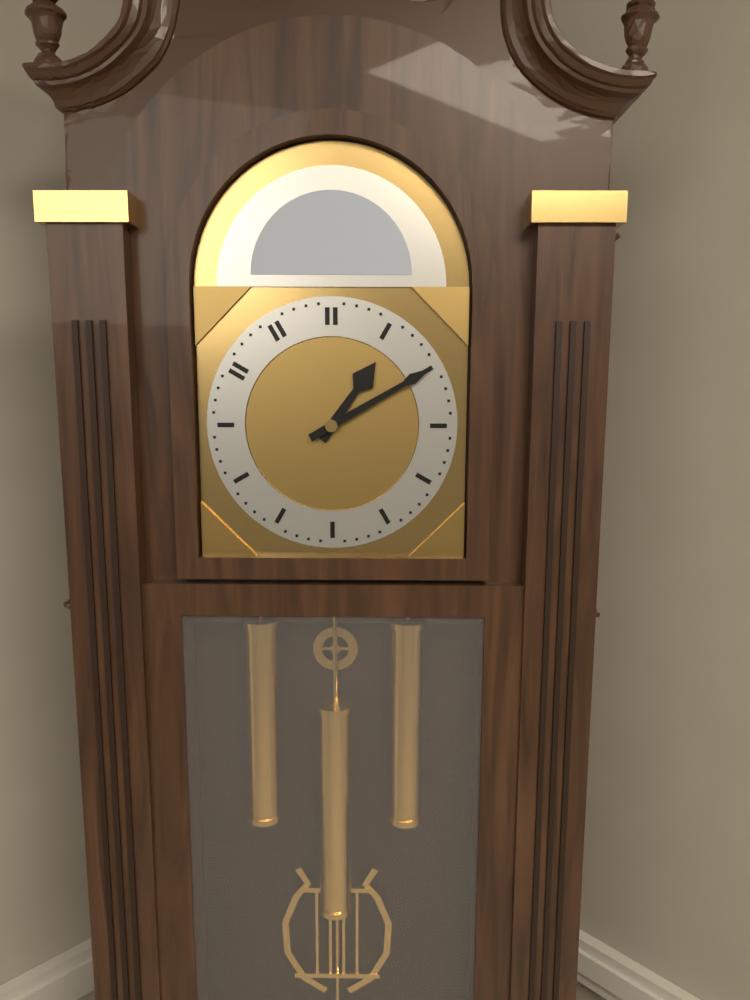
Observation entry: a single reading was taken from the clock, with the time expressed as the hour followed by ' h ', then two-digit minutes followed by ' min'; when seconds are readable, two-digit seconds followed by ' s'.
1 h 10 min
